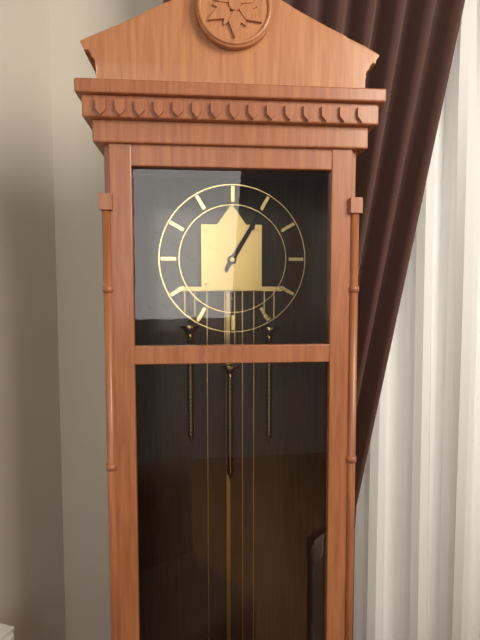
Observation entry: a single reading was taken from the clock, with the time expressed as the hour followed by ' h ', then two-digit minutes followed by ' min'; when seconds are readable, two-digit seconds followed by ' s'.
1 h 05 min
